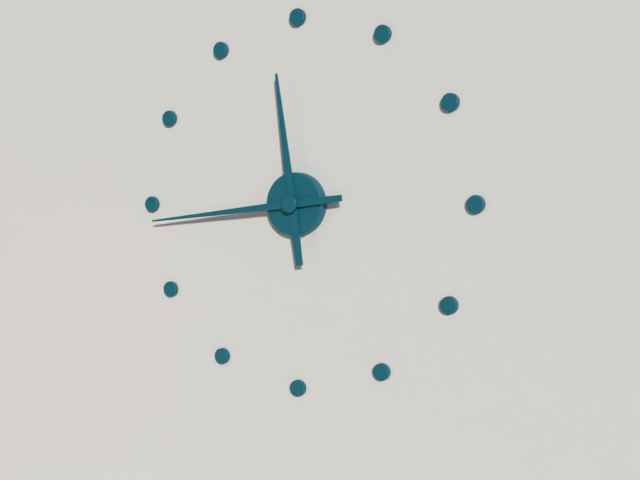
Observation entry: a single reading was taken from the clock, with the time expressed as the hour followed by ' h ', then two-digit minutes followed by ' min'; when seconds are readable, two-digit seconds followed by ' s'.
11 h 44 min
